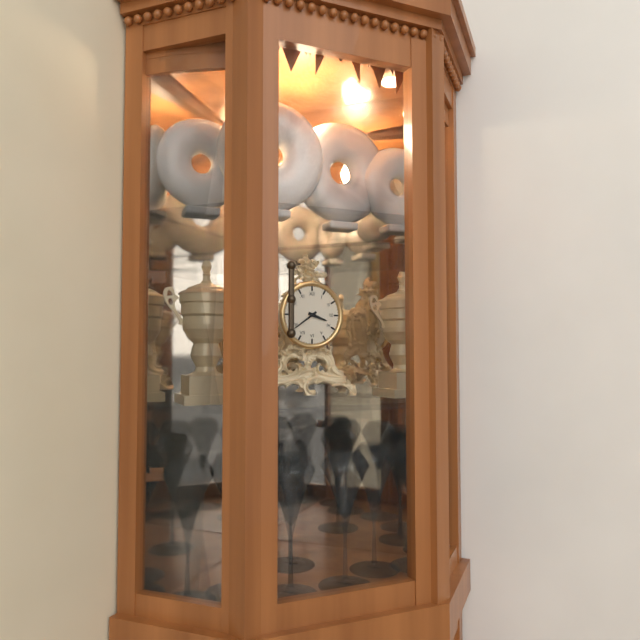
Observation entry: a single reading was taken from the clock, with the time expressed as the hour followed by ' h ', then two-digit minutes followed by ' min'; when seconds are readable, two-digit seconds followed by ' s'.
3 h 39 min
